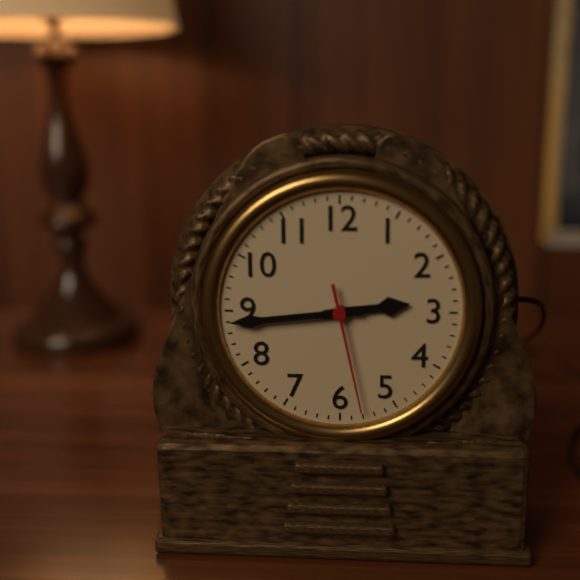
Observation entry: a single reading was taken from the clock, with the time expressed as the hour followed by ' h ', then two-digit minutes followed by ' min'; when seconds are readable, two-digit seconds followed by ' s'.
2 h 44 min 28 s
